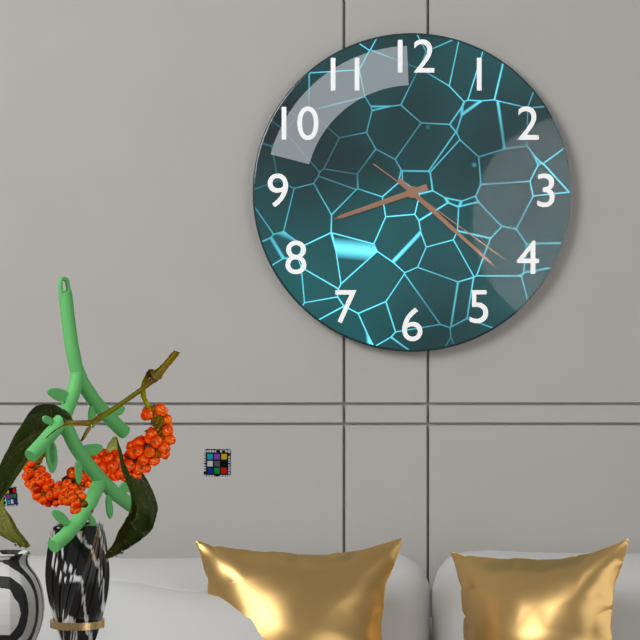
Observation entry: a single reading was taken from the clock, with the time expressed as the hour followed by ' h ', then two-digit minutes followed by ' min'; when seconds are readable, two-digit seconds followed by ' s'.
8 h 22 min 21 s
